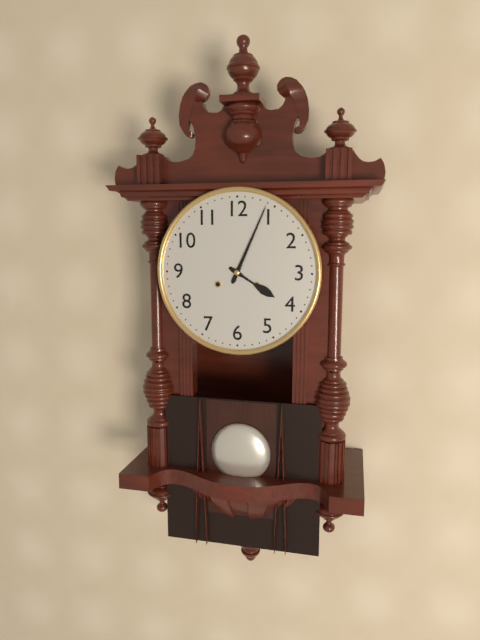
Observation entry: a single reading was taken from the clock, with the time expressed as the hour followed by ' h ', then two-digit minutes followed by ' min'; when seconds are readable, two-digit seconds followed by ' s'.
4 h 04 min
